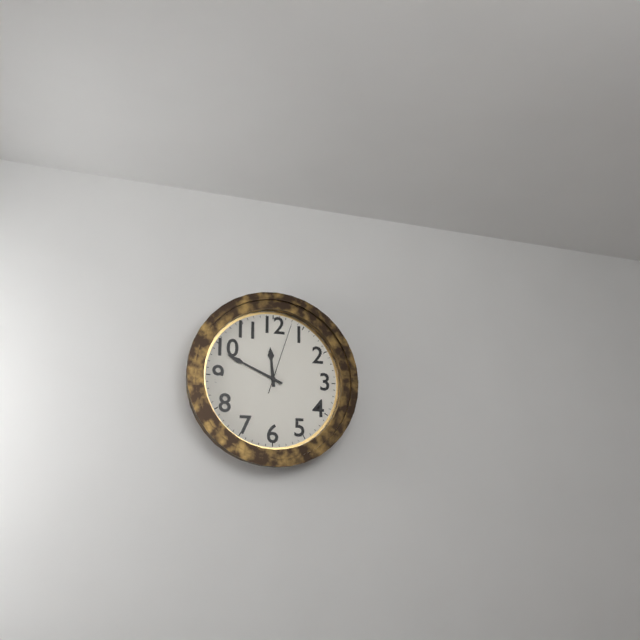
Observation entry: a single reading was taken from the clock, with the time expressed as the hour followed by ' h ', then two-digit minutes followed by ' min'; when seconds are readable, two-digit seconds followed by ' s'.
11 h 49 min 03 s
